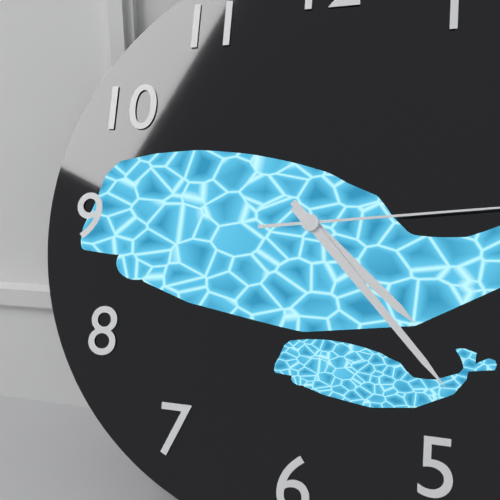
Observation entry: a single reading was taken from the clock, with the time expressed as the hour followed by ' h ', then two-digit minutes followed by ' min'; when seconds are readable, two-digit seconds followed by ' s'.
4 h 23 min
